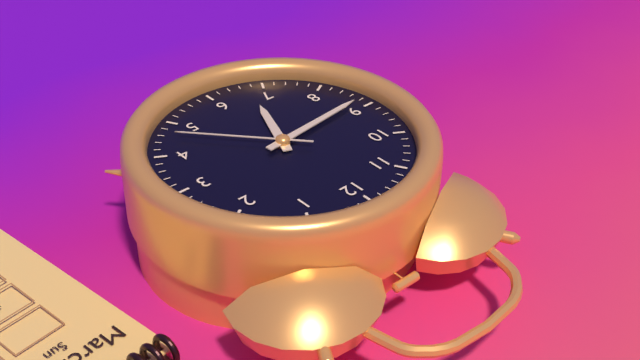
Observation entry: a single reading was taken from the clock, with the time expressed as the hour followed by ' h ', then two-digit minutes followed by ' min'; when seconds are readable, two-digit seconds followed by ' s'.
6 h 44 min 23 s
